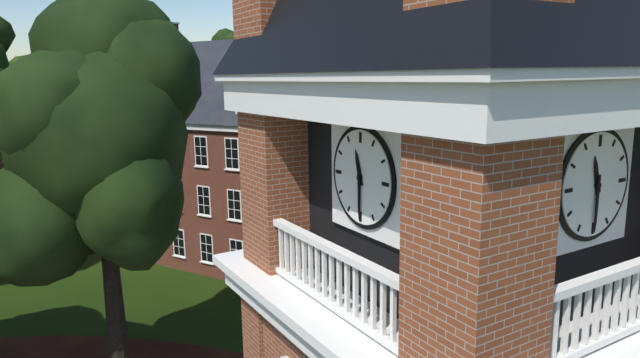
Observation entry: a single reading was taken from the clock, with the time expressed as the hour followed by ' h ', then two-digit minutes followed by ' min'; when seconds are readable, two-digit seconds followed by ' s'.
11 h 30 min
